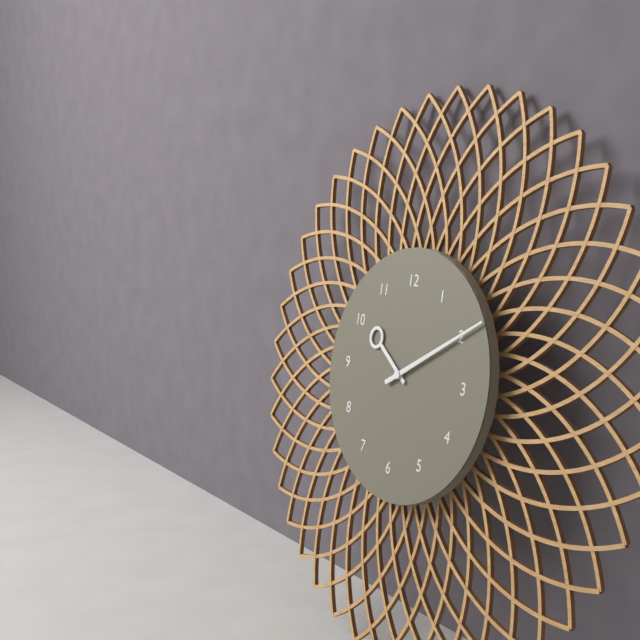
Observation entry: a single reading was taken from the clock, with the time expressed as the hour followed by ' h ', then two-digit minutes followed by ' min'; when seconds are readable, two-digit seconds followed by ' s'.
10 h 10 min
